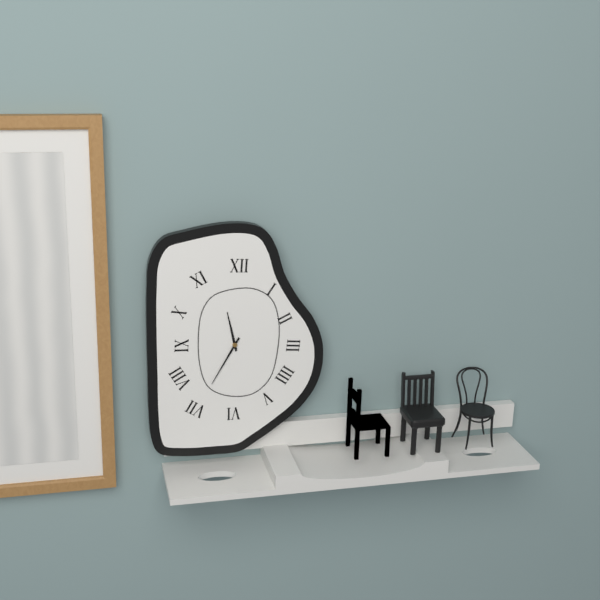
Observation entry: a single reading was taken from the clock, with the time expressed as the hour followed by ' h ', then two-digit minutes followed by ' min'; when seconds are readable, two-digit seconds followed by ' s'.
11 h 35 min
